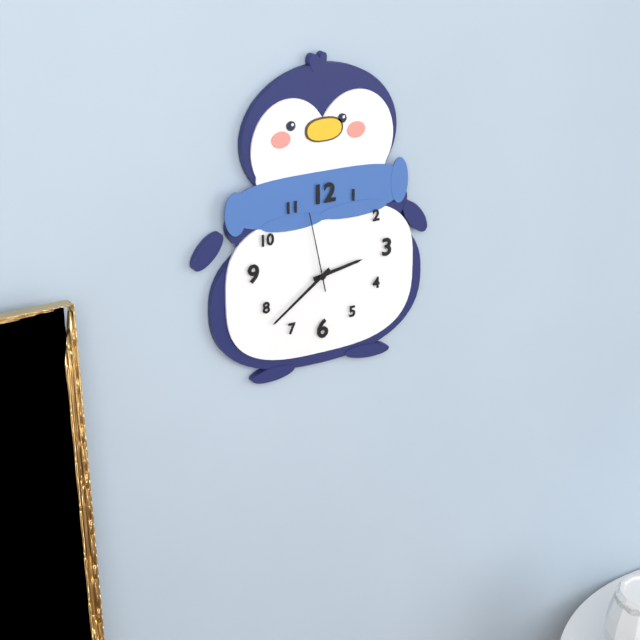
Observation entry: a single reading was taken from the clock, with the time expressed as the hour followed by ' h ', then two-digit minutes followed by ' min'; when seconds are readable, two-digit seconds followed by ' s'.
2 h 39 min 58 s
